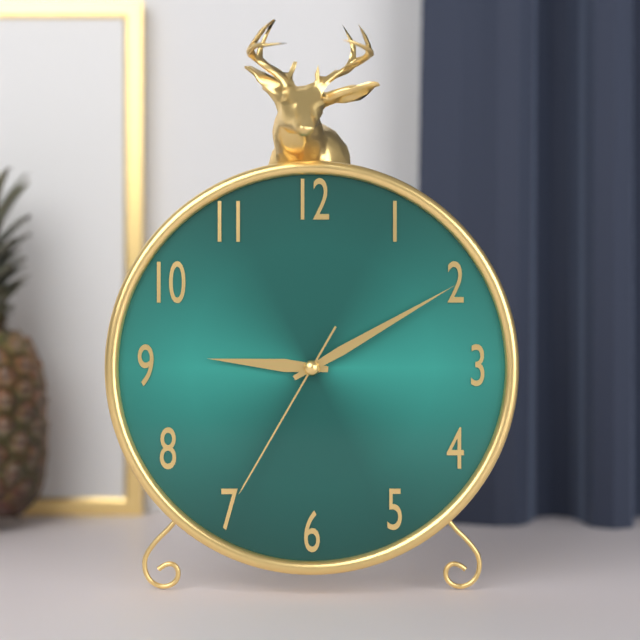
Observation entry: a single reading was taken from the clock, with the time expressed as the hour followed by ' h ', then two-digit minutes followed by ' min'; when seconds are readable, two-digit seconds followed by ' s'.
9 h 10 min 35 s
